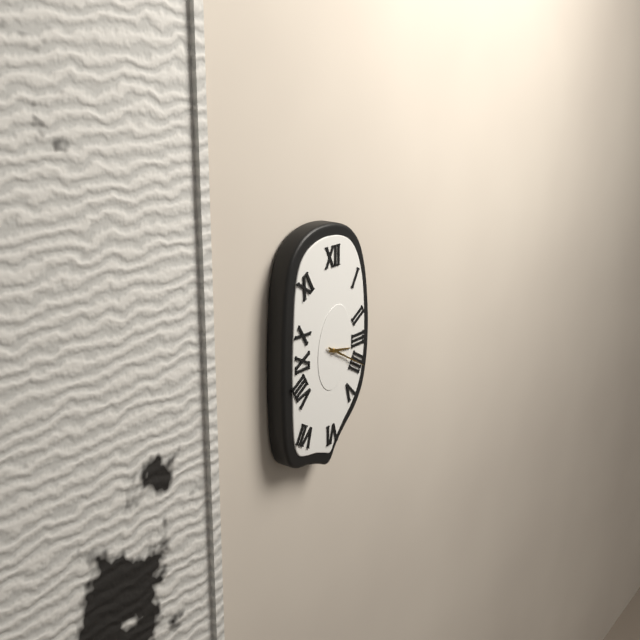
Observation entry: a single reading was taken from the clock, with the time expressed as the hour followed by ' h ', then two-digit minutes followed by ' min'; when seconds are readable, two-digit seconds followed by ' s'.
3 h 20 min
